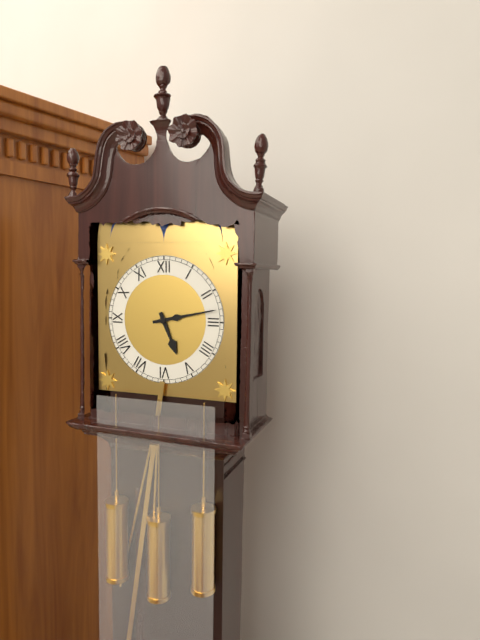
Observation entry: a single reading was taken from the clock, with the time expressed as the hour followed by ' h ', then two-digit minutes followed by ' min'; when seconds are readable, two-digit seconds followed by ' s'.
5 h 13 min
